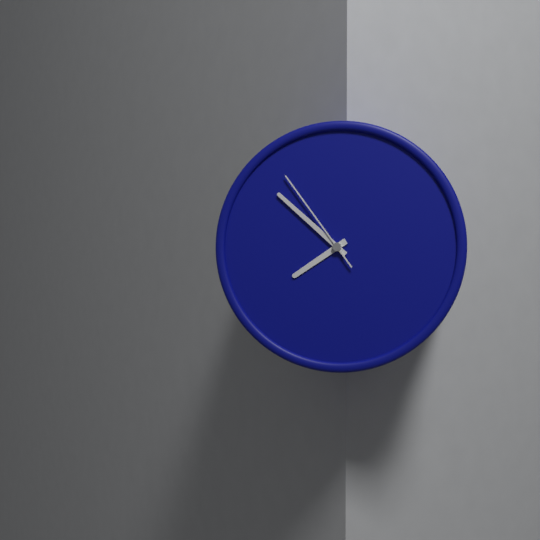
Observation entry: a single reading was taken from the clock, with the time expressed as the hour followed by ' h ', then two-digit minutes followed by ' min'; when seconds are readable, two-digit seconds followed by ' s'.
7 h 52 min 54 s
